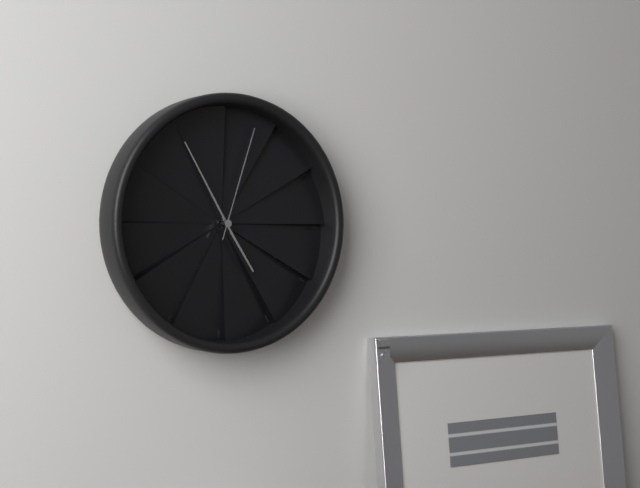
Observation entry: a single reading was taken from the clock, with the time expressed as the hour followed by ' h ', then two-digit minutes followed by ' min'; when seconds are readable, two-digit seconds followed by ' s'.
4 h 55 min 03 s
